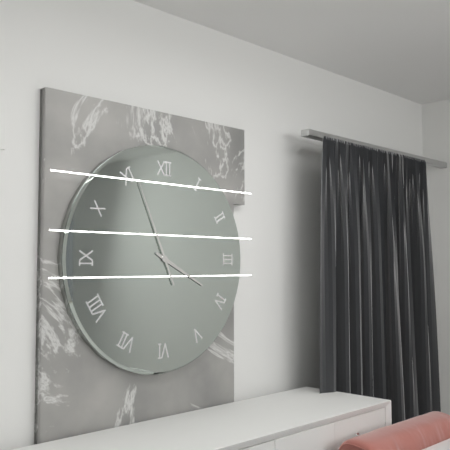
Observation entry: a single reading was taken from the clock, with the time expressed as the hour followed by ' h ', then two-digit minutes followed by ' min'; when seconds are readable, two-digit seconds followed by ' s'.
3 h 56 min
